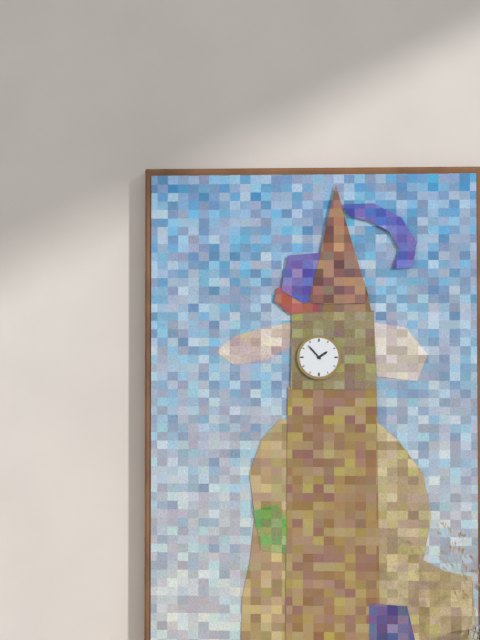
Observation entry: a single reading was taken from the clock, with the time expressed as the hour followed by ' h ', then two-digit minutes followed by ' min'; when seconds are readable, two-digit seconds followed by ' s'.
1 h 53 min
